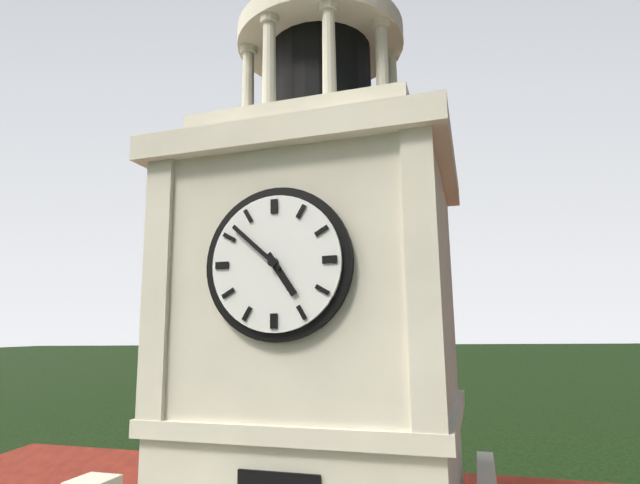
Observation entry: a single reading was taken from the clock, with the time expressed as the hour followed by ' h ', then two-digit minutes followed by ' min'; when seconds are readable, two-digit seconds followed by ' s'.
4 h 52 min
